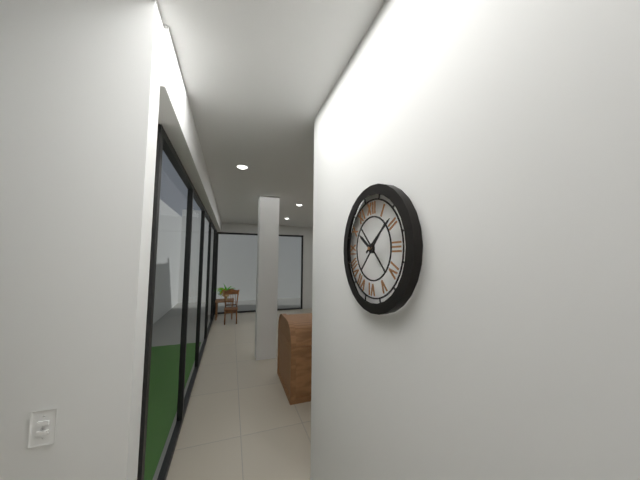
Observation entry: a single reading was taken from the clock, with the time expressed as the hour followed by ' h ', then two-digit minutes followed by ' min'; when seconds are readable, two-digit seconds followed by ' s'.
10 h 09 min
